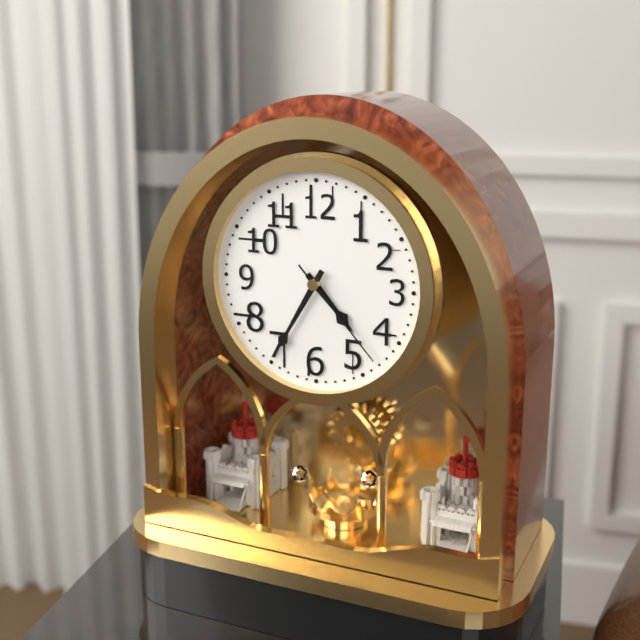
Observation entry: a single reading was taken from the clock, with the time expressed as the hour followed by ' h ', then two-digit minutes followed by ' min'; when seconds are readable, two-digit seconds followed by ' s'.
4 h 35 min 23 s
